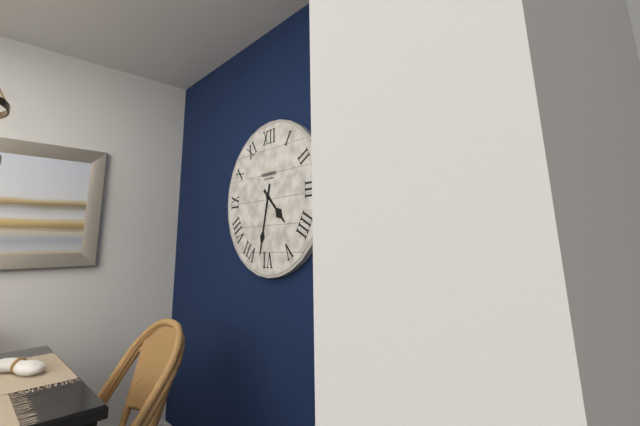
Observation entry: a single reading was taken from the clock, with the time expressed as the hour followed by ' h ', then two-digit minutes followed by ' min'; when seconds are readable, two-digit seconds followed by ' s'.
4 h 32 min
